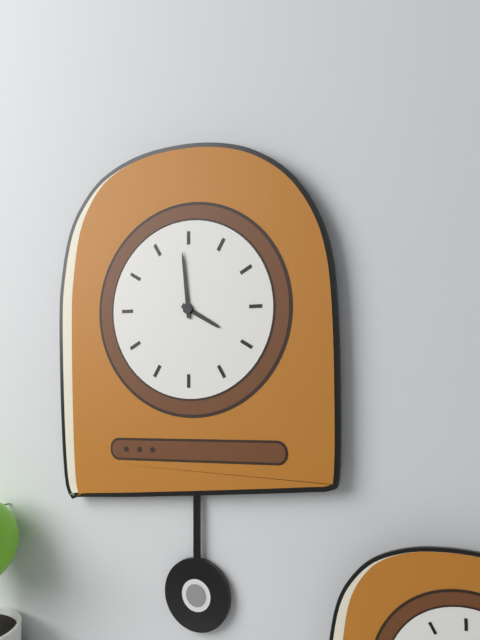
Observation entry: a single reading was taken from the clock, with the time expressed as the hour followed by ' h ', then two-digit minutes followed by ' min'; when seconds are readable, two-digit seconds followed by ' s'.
3 h 59 min
